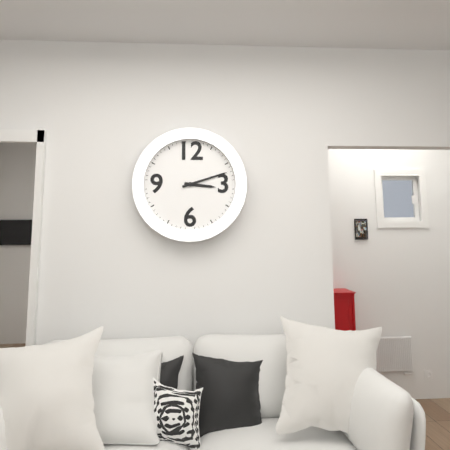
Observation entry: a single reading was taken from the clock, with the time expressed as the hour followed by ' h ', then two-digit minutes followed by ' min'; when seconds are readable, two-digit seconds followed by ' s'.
3 h 12 min
